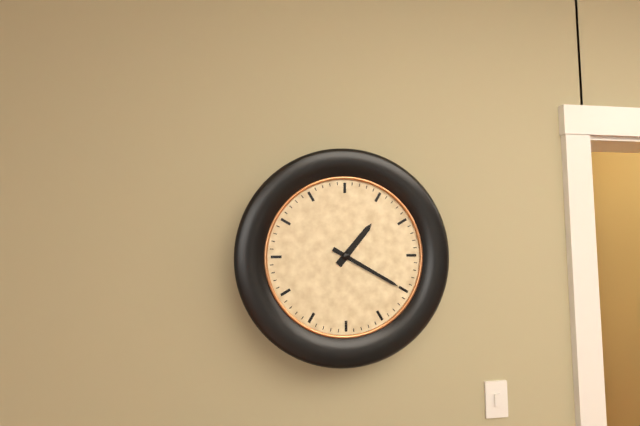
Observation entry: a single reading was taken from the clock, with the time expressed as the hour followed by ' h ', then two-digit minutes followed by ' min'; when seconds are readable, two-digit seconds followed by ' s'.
1 h 20 min
